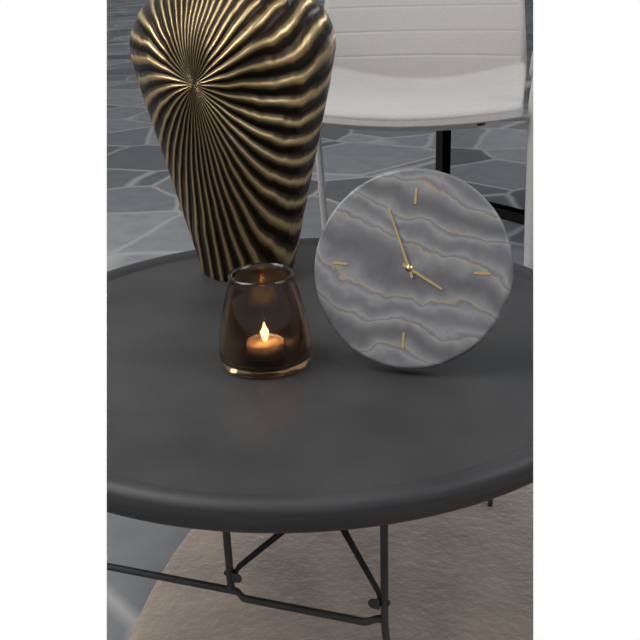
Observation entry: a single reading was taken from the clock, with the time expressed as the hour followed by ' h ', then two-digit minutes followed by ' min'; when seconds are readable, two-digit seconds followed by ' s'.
3 h 56 min
